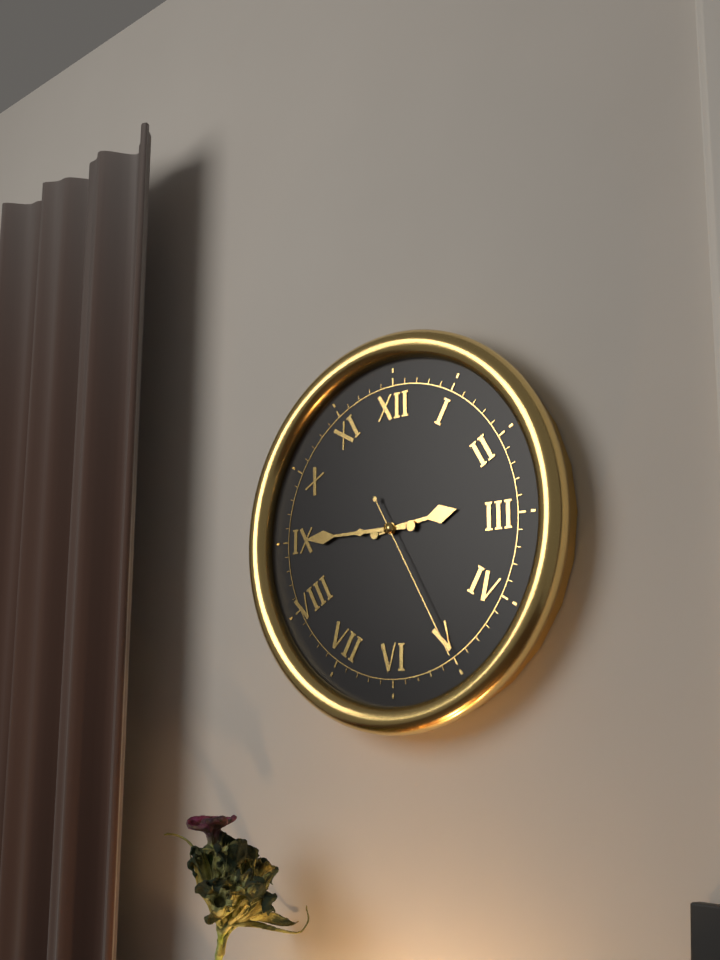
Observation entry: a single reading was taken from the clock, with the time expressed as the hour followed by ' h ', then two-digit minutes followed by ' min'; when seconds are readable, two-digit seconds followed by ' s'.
2 h 45 min 25 s
